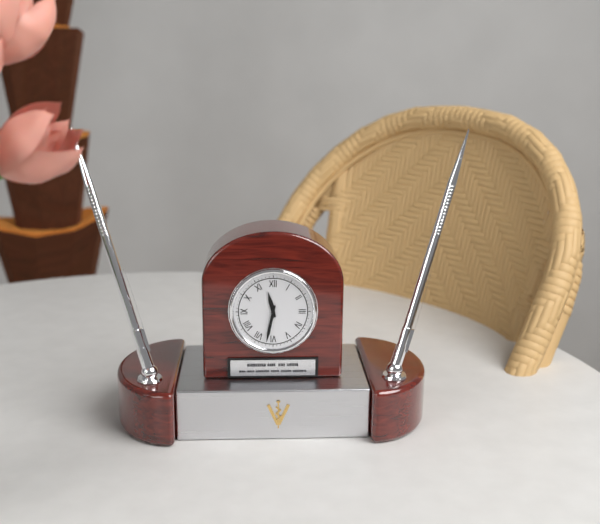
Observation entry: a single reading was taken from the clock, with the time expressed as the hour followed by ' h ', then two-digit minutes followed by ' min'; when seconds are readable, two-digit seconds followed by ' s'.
11 h 32 min
